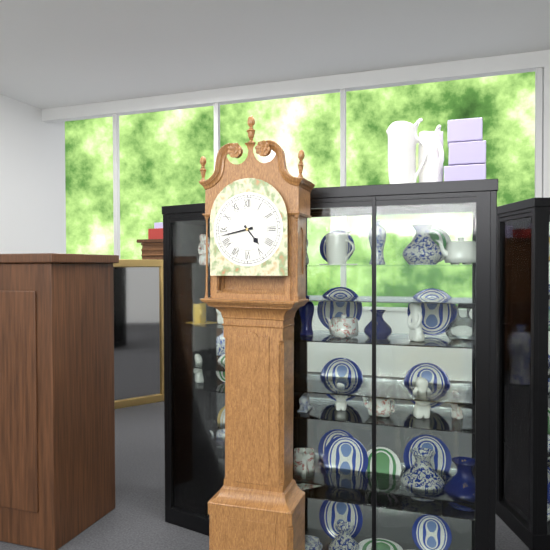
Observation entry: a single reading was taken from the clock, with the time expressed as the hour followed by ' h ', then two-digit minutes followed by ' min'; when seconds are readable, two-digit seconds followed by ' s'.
4 h 43 min
